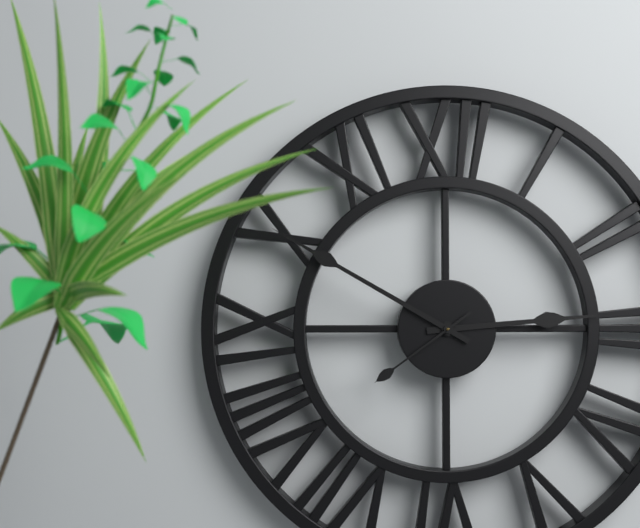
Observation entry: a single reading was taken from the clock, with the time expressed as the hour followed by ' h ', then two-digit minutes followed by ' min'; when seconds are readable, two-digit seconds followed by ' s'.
2 h 50 min 39 s
